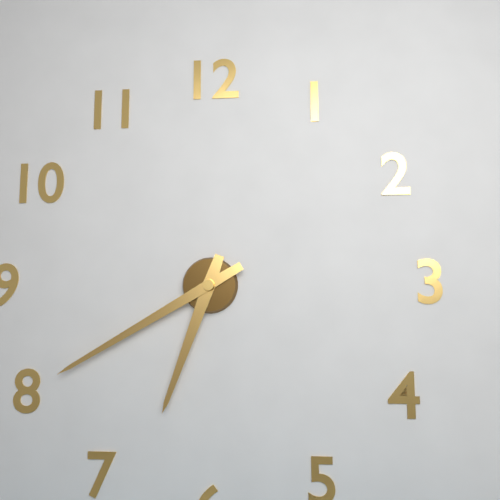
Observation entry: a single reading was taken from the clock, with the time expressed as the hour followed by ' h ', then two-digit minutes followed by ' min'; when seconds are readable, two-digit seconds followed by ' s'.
6 h 40 min
